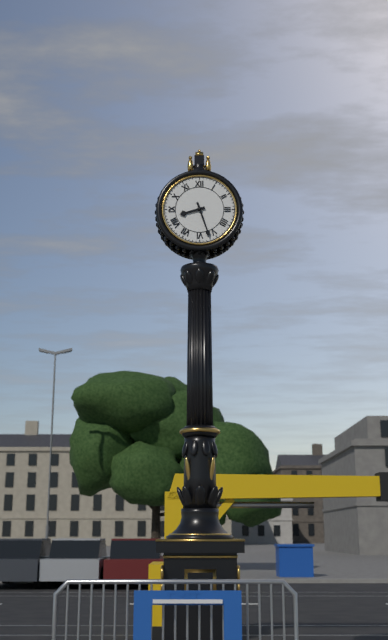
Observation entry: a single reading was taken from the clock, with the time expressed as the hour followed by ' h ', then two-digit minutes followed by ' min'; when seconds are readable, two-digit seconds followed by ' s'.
8 h 27 min
